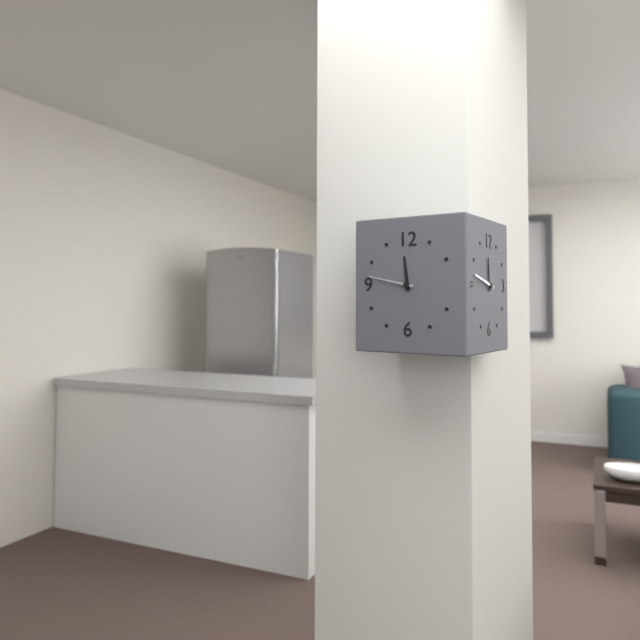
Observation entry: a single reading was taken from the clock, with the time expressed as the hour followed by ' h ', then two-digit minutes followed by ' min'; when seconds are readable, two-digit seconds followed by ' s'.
11 h 47 min
